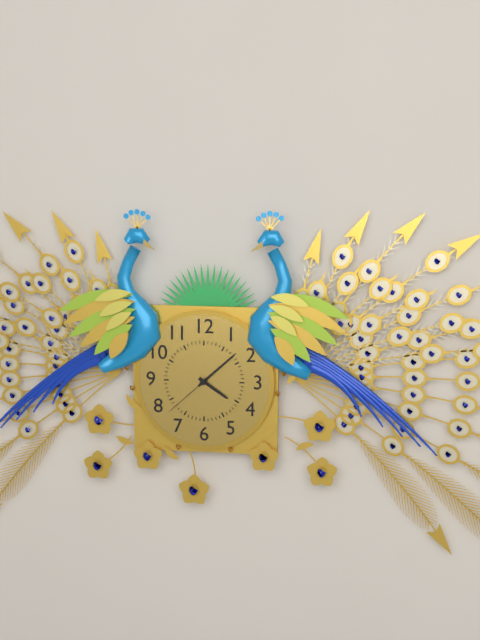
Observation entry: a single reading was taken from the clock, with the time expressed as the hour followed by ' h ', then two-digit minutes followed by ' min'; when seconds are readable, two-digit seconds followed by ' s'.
4 h 08 min 38 s
